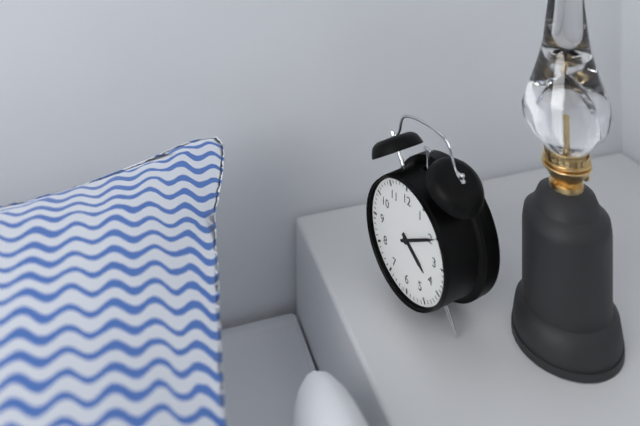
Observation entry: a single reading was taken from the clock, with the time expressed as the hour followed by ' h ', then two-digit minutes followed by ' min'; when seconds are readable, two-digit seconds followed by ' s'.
4 h 10 min
